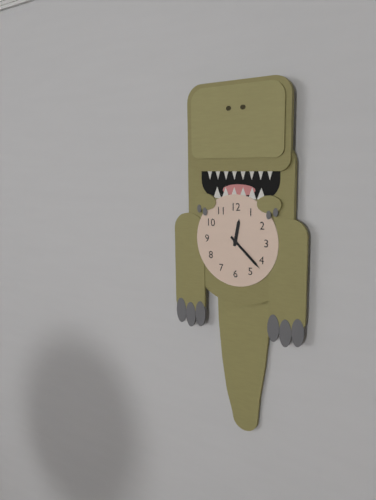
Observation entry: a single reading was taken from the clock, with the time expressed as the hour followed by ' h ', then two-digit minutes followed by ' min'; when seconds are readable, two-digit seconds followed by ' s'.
12 h 22 min
